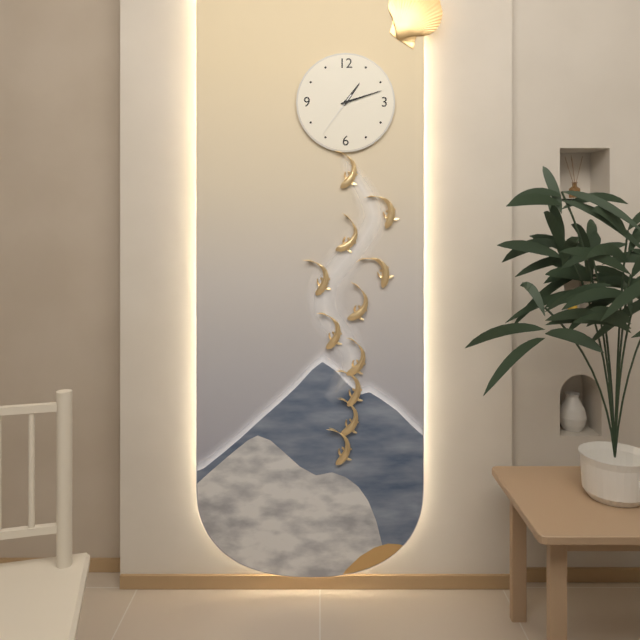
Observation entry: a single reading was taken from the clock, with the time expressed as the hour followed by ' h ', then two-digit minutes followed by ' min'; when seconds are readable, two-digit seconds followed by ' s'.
1 h 12 min
